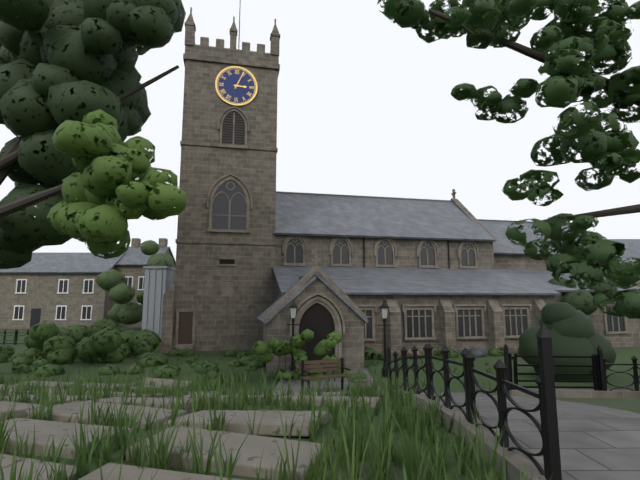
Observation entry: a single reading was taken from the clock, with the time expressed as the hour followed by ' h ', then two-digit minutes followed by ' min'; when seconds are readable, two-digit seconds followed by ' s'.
3 h 04 min
